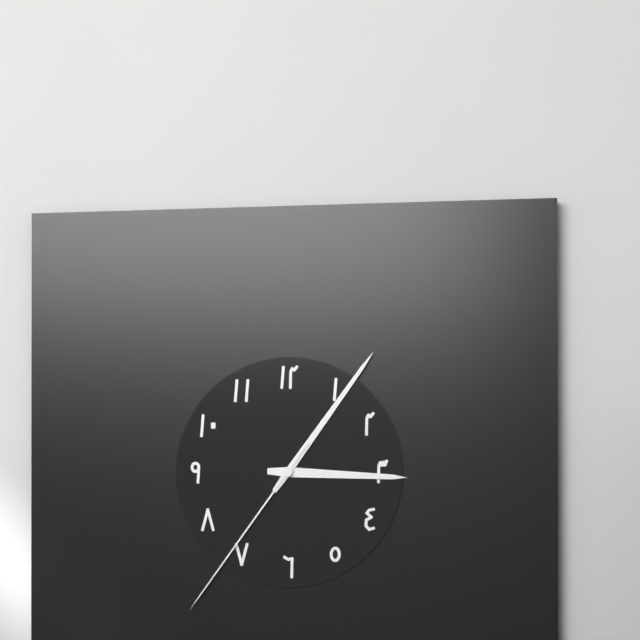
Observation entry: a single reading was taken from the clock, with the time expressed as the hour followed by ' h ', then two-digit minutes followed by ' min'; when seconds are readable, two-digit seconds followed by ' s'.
3 h 06 min 36 s
